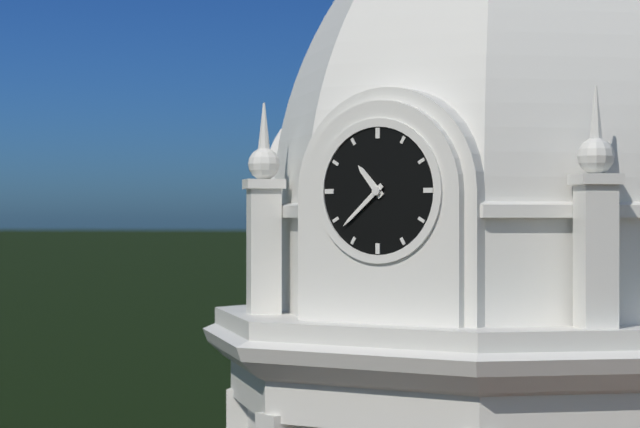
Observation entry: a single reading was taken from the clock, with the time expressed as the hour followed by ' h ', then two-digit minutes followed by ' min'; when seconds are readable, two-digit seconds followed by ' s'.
10 h 38 min
